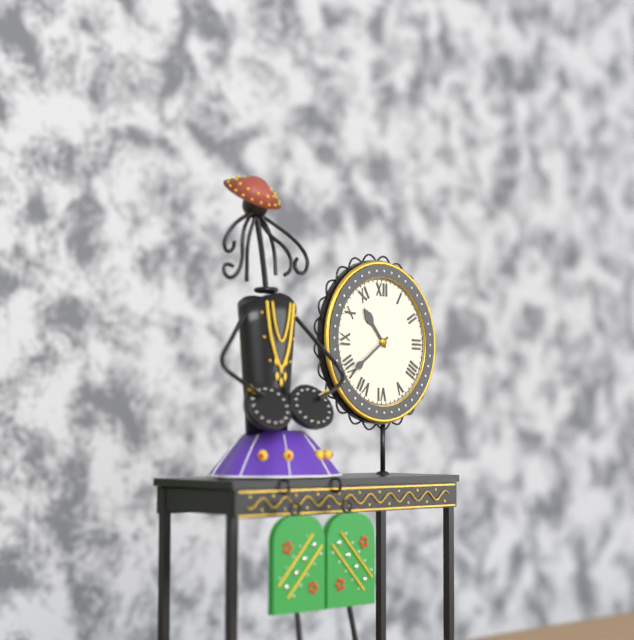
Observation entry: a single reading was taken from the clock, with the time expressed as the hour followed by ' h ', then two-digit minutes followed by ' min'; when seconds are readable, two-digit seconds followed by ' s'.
10 h 39 min
